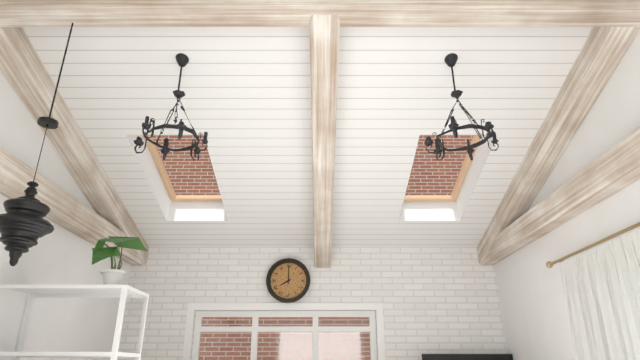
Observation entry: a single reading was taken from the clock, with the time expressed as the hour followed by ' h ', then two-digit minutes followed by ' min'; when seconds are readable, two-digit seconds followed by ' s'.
8 h 00 min
